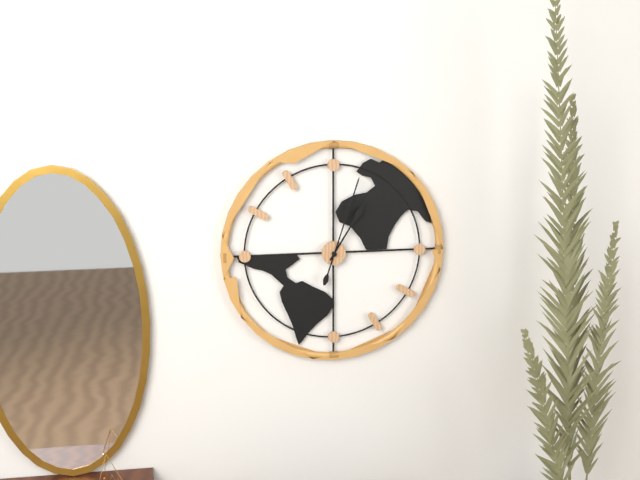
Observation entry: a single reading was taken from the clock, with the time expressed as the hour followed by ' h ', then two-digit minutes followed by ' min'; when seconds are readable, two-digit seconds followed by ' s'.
1 h 03 min
